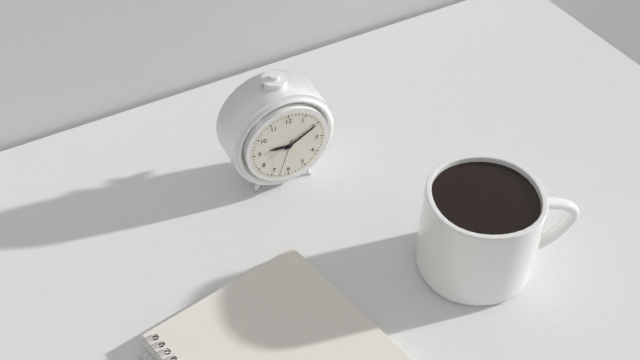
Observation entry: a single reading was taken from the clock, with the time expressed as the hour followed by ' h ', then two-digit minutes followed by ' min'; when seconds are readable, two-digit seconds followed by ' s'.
9 h 10 min
